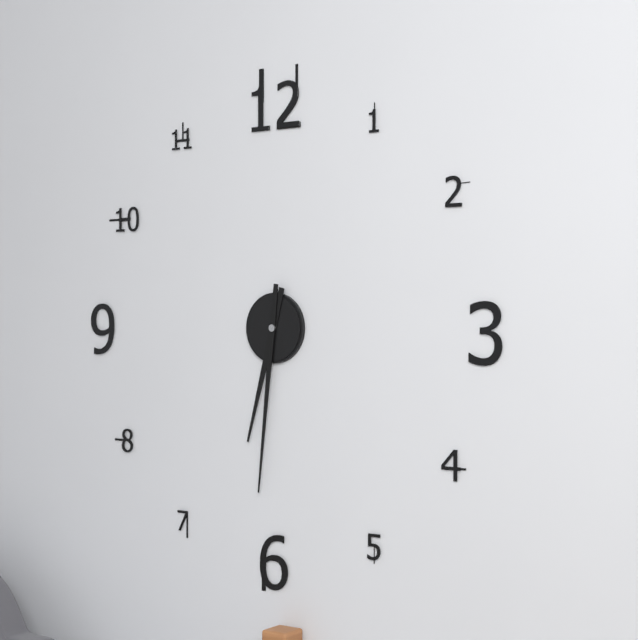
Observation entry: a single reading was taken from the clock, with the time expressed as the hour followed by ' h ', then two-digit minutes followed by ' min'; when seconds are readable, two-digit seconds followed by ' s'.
6 h 31 min
